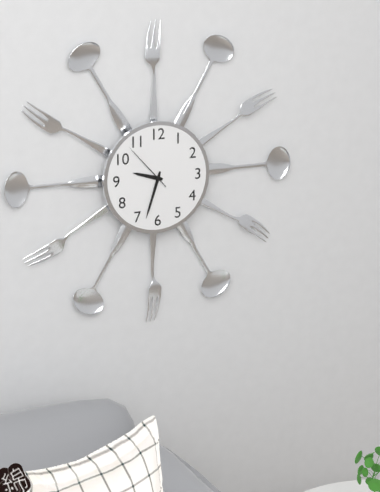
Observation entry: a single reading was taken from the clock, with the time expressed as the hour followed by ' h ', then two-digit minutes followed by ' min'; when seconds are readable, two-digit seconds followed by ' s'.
9 h 33 min 53 s
